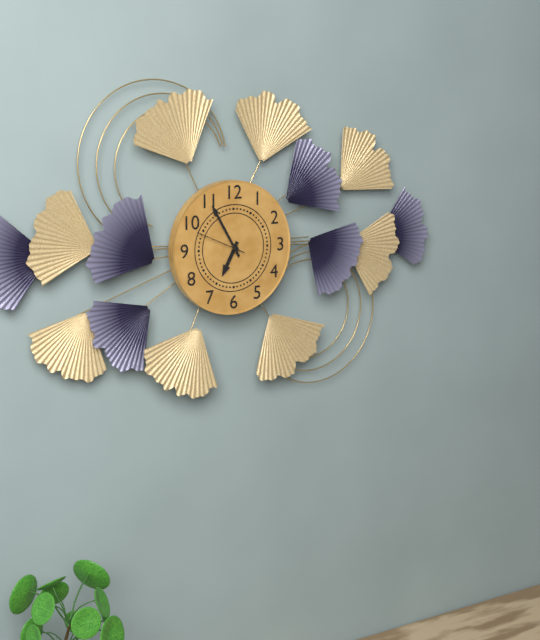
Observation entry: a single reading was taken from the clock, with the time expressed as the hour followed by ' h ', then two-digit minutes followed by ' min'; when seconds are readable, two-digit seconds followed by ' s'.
6 h 55 min 49 s
